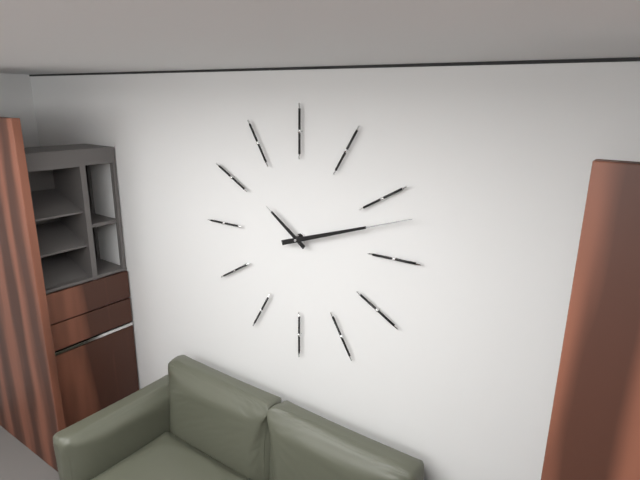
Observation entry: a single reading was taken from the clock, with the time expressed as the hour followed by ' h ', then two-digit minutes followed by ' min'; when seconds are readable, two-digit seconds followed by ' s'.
10 h 12 min
